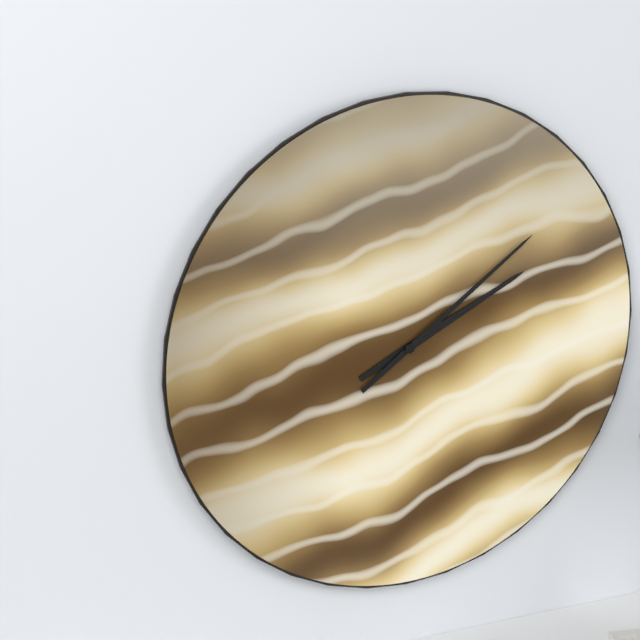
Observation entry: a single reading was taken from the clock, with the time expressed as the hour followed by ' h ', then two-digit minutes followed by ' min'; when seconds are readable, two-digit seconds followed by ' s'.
2 h 09 min
